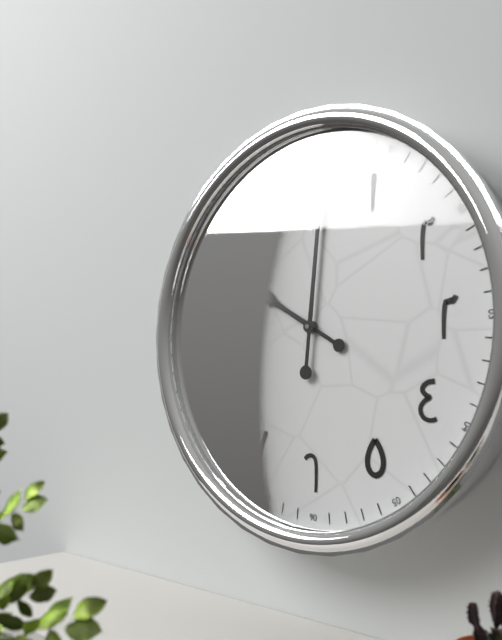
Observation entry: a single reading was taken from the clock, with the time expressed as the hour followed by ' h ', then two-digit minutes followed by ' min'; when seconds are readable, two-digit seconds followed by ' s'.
10 h 01 min
